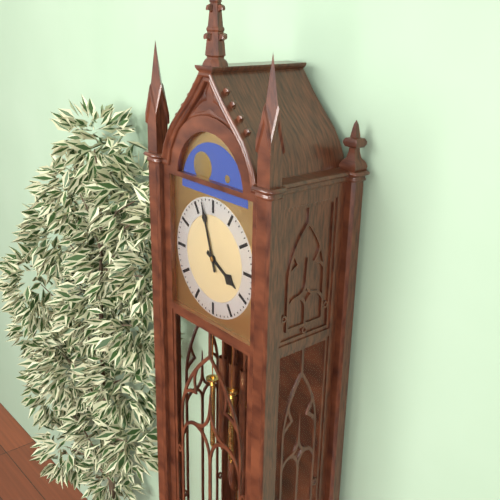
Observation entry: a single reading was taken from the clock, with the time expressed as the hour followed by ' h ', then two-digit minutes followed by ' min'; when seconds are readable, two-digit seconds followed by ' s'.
3 h 57 min
